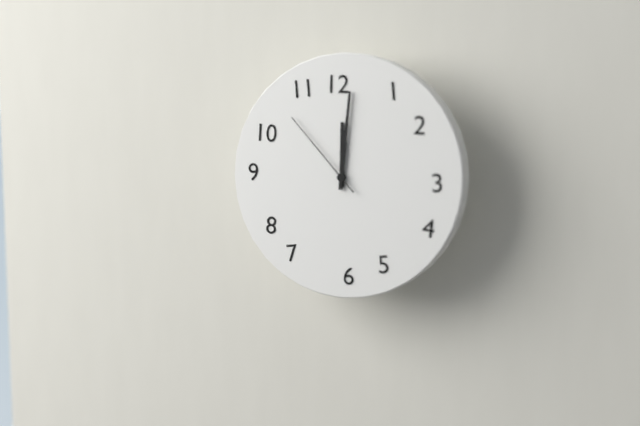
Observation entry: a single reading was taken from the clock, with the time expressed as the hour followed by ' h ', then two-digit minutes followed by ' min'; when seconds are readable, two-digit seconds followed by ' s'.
12 h 01 min 53 s
